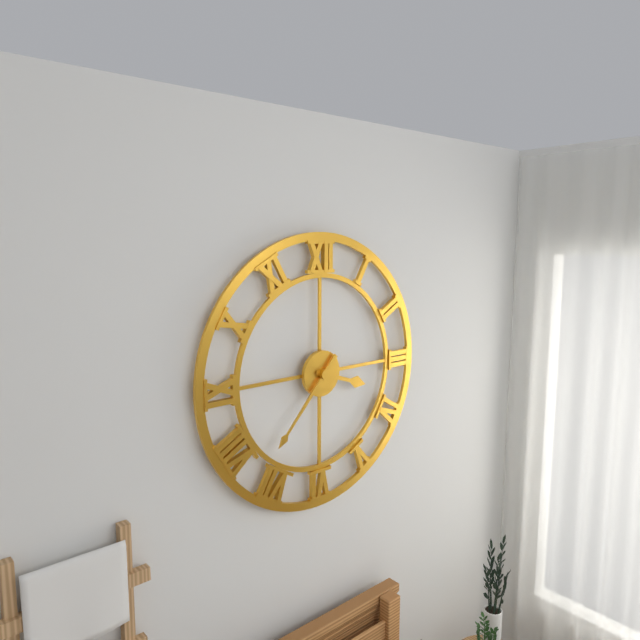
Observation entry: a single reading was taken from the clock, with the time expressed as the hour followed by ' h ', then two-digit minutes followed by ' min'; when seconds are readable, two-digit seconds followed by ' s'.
3 h 37 min
